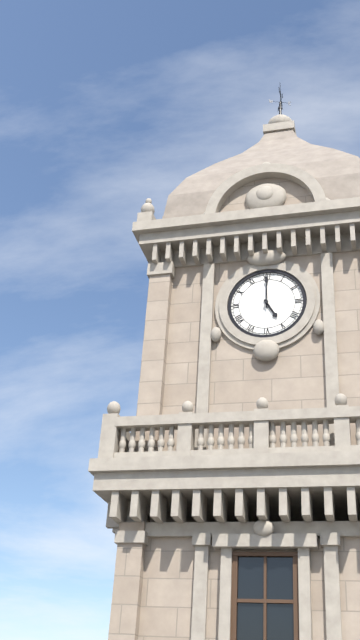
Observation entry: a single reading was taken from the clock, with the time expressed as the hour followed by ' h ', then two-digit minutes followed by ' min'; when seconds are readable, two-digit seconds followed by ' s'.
5 h 00 min
